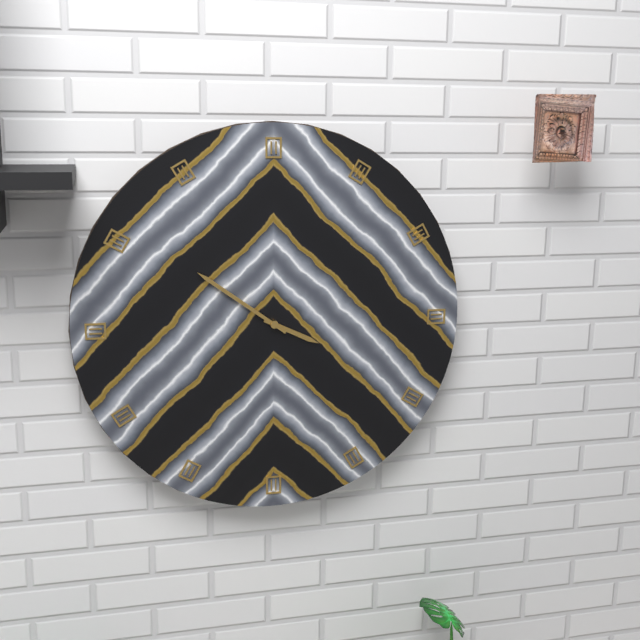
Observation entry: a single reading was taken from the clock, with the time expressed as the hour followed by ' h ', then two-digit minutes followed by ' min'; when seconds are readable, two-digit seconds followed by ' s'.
3 h 51 min
